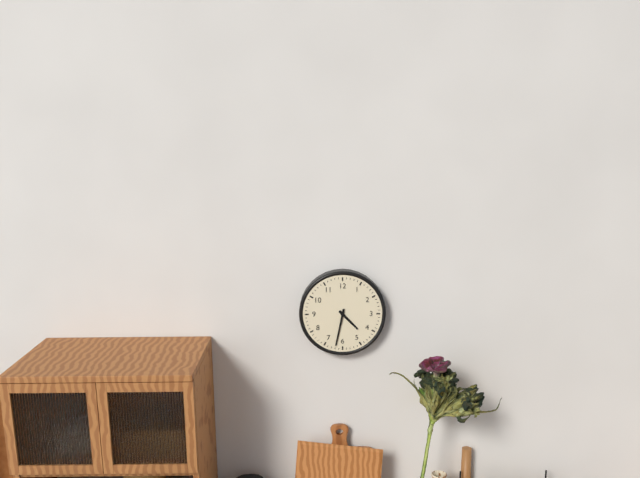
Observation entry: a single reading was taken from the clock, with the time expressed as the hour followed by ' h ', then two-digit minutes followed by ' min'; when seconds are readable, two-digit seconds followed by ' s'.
4 h 32 min
